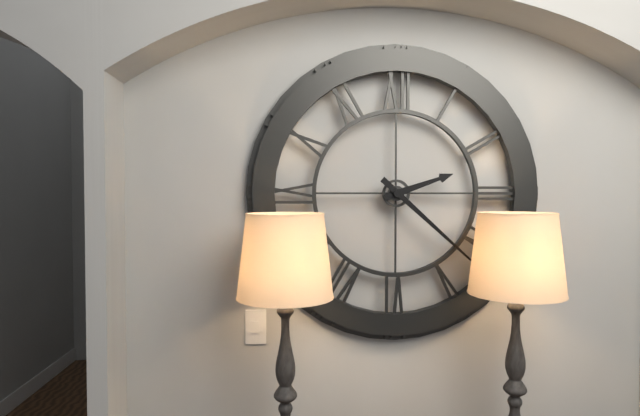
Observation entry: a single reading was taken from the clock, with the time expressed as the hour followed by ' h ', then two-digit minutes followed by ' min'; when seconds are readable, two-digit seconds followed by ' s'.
2 h 22 min
